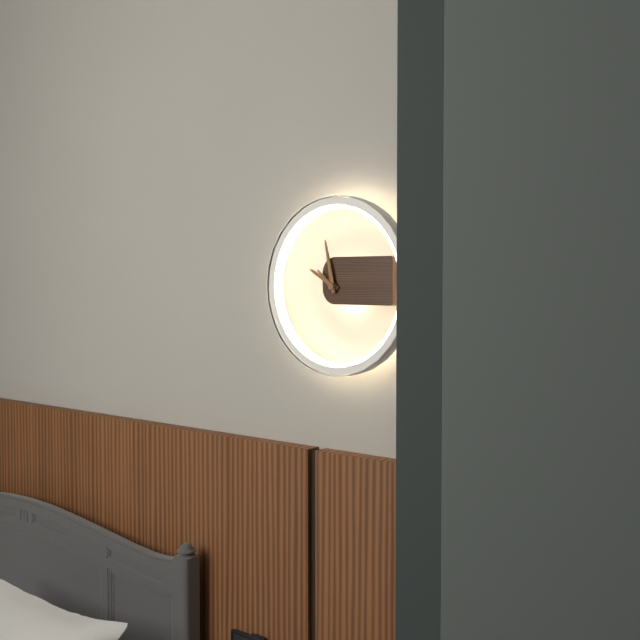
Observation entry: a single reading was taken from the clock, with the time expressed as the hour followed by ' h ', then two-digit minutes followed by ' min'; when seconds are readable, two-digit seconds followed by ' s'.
9 h 58 min 52 s
